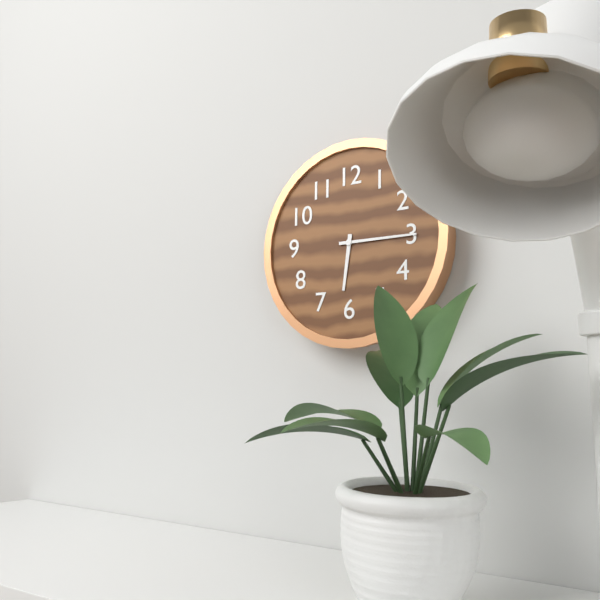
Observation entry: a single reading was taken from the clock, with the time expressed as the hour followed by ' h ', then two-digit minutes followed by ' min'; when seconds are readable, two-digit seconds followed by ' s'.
6 h 15 min
